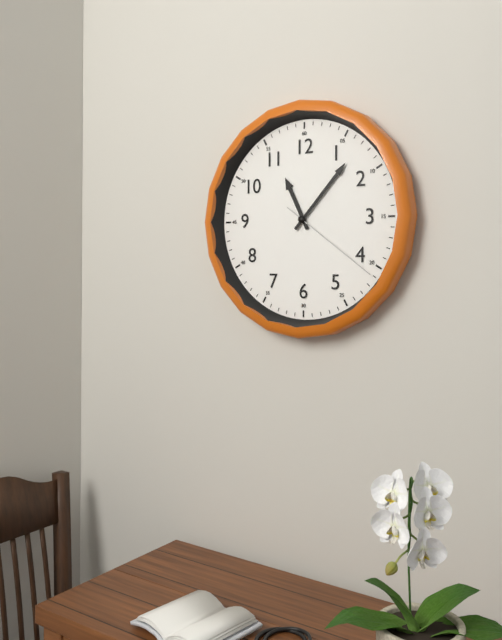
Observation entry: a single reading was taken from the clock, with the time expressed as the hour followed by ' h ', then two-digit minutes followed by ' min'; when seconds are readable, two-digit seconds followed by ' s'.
11 h 07 min 21 s
